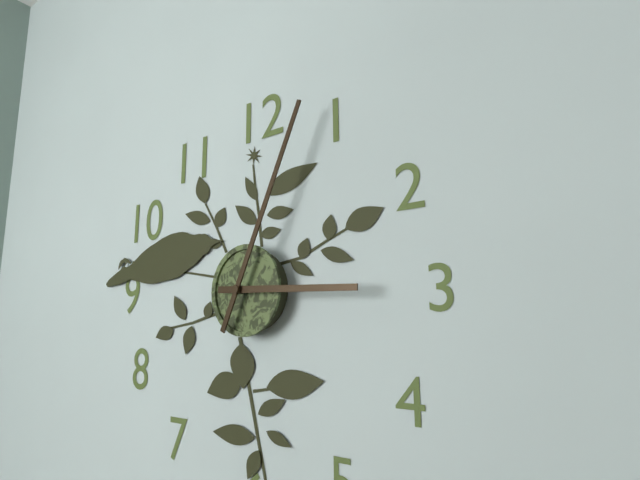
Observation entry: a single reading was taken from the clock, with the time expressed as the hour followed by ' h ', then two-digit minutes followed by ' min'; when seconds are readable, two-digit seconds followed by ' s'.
3 h 04 min
